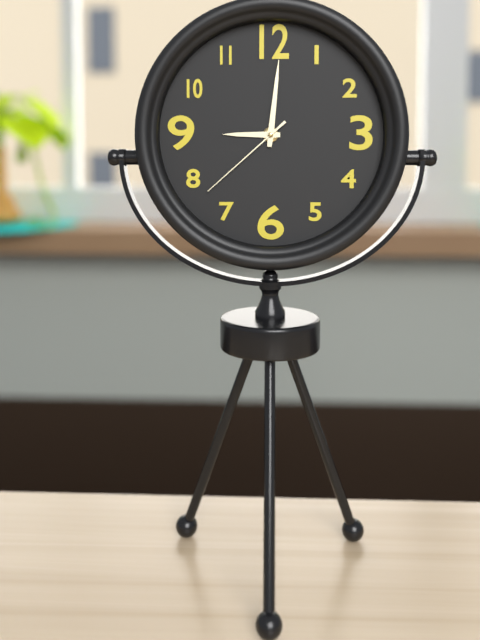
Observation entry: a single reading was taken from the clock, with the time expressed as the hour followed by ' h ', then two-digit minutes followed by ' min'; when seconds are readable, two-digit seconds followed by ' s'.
9 h 01 min 38 s
